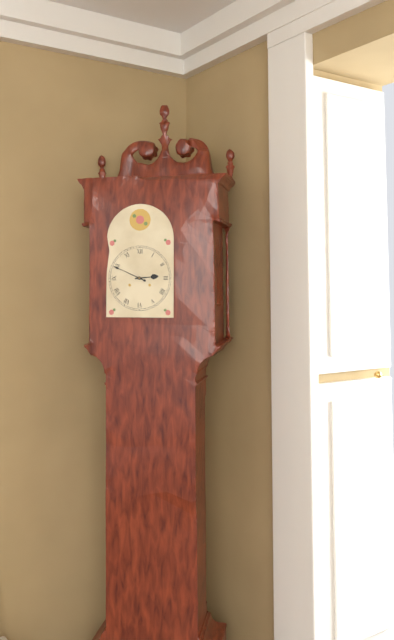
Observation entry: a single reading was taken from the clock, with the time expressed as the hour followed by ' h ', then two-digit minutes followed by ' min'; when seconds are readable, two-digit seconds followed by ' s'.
2 h 49 min
